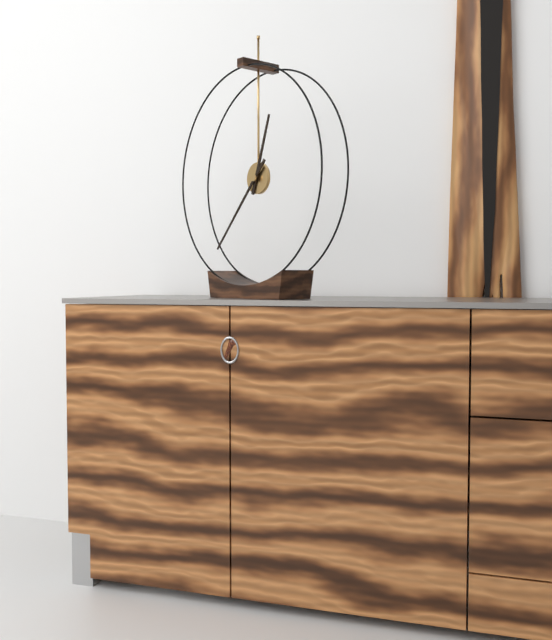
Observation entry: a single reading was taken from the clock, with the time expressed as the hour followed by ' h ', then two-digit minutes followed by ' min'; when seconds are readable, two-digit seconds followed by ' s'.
12 h 37 min
